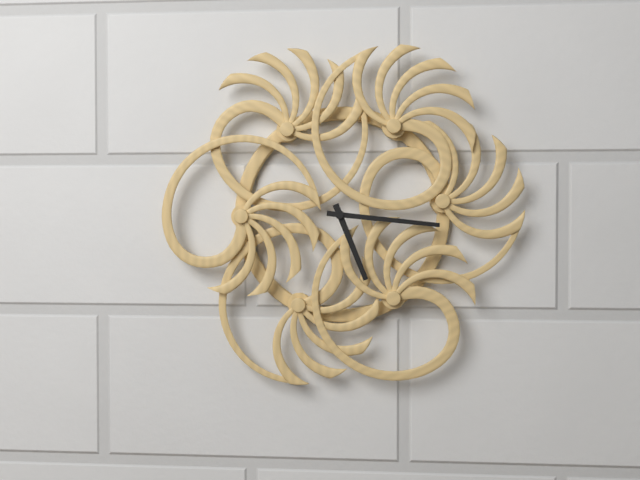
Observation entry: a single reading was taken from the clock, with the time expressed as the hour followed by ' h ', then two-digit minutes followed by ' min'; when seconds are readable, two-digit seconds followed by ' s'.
5 h 16 min
